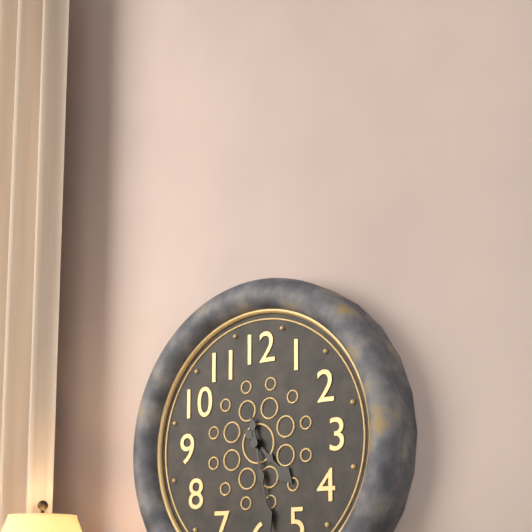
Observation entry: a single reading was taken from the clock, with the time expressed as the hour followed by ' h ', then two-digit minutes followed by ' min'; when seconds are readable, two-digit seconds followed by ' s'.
4 h 28 min
